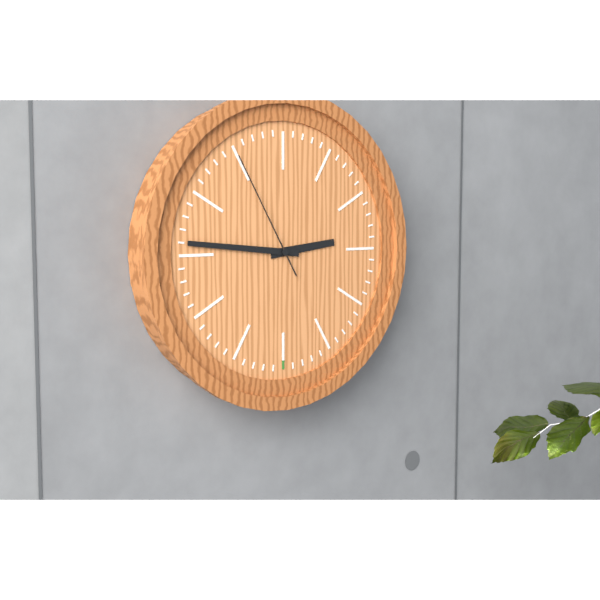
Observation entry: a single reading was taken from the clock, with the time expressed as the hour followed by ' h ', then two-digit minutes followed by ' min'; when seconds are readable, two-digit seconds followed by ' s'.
2 h 46 min 55 s
